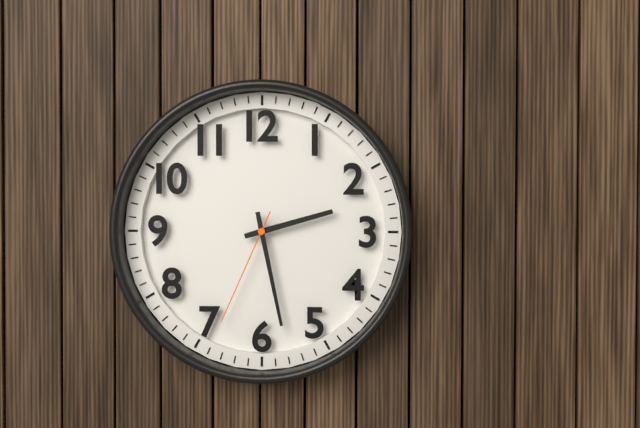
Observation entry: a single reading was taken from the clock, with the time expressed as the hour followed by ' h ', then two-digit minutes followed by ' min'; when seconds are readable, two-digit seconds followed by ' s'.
2 h 28 min 34 s
